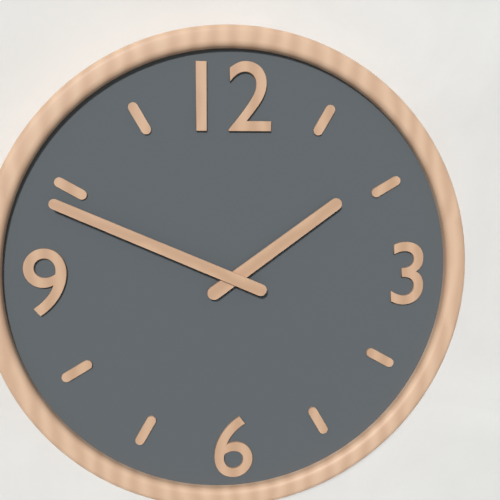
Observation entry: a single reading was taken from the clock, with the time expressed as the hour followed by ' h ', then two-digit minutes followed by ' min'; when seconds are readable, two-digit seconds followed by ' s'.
1 h 49 min
